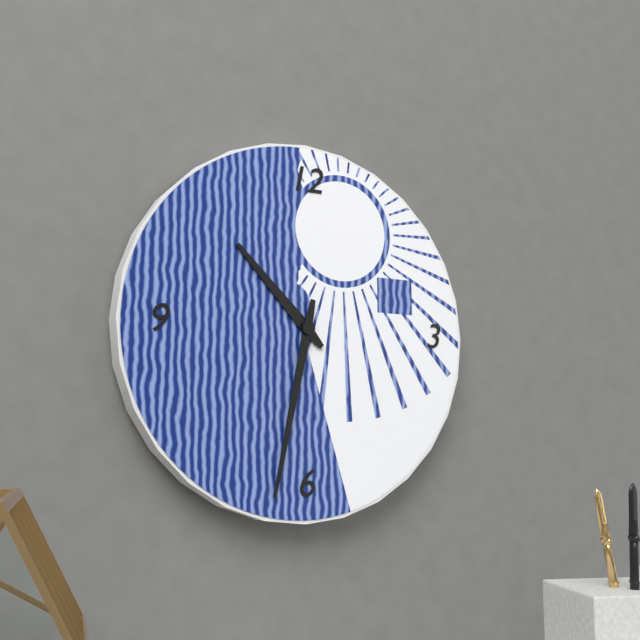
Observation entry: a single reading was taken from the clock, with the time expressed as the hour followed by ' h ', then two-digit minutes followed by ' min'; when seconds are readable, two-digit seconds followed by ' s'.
10 h 32 min
